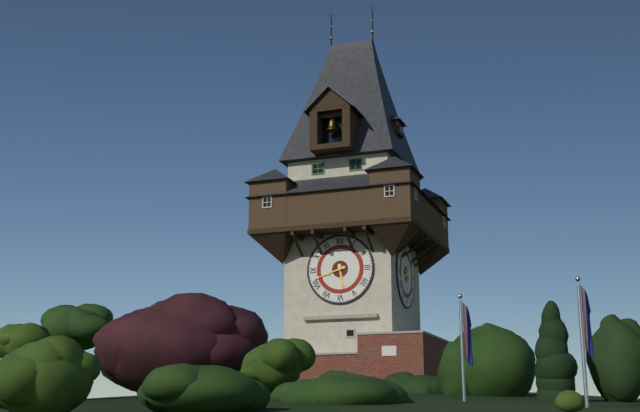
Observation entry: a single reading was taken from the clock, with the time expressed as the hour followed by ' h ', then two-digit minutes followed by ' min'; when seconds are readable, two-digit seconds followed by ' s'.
5 h 42 min
